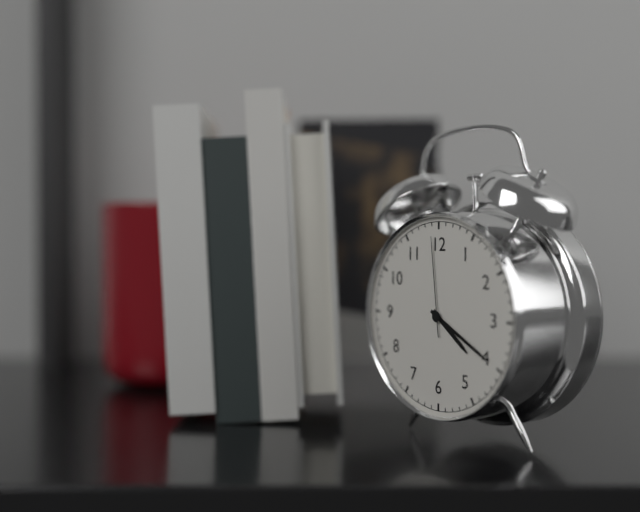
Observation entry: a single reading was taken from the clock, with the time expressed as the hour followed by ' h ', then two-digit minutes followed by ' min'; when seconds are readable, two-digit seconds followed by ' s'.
4 h 20 min 59 s
